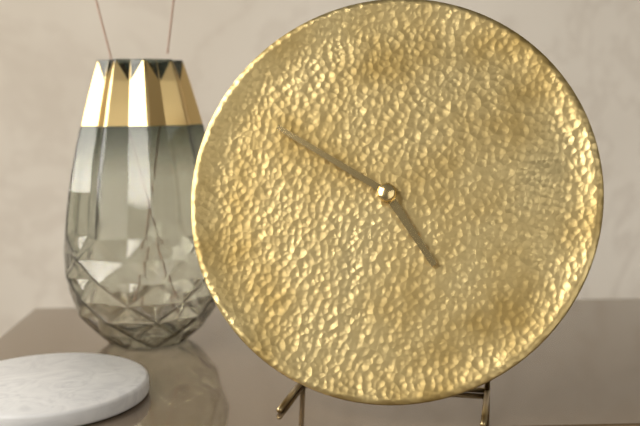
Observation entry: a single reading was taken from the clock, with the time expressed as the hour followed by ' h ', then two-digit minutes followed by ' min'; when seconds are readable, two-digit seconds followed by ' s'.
4 h 50 min
